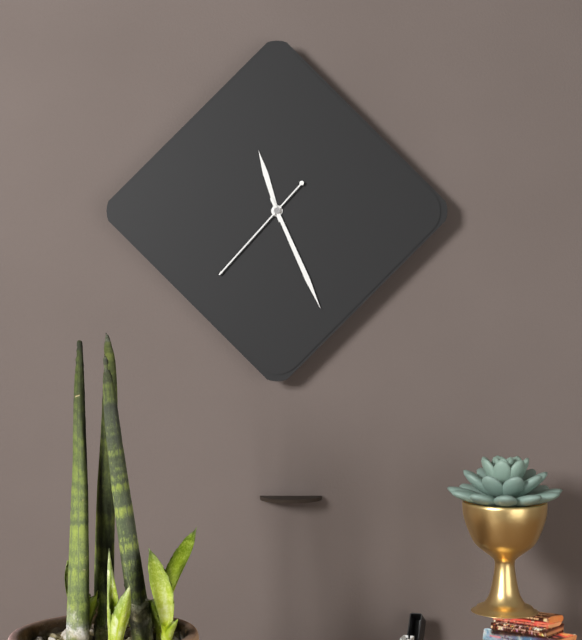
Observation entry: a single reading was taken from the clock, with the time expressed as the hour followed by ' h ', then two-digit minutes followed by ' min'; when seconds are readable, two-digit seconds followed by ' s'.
11 h 26 min 37 s
